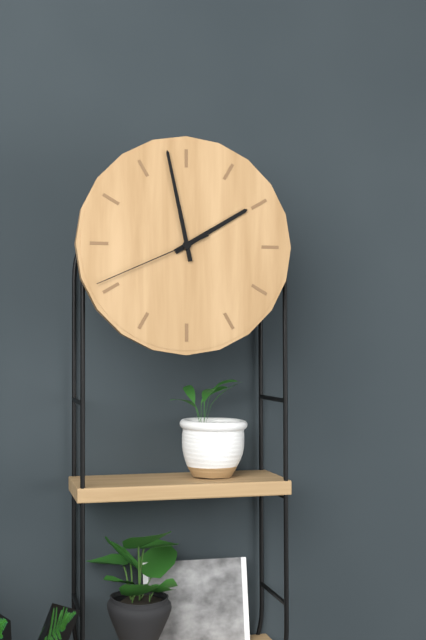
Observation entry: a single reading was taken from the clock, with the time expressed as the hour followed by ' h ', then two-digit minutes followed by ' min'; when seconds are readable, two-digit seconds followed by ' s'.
1 h 58 min 41 s
